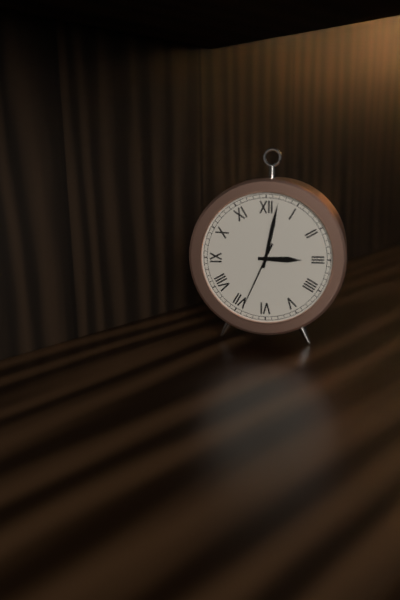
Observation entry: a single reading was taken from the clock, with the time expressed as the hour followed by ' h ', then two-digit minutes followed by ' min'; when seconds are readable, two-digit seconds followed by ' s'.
3 h 02 min 34 s
